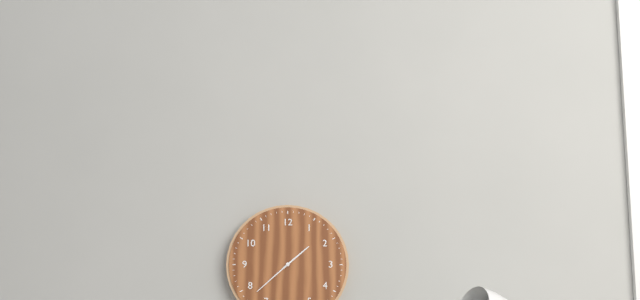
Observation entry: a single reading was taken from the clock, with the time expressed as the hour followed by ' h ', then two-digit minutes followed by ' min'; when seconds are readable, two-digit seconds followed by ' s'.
1 h 38 min
